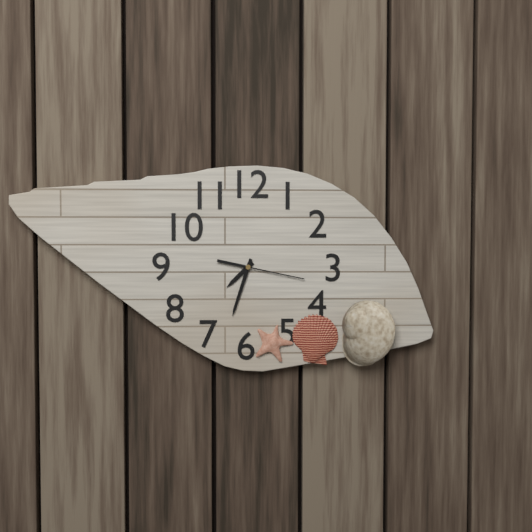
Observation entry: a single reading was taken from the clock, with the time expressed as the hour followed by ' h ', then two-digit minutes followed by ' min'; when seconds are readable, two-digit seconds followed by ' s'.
7 h 33 min 17 s
